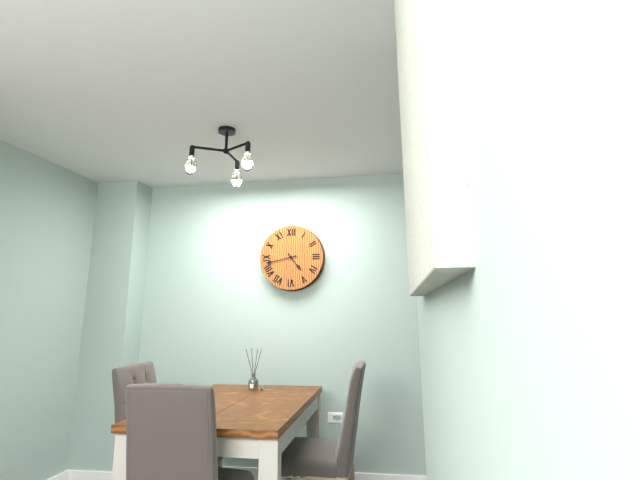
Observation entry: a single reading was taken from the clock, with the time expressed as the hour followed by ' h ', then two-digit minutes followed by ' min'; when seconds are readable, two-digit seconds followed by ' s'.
4 h 43 min
